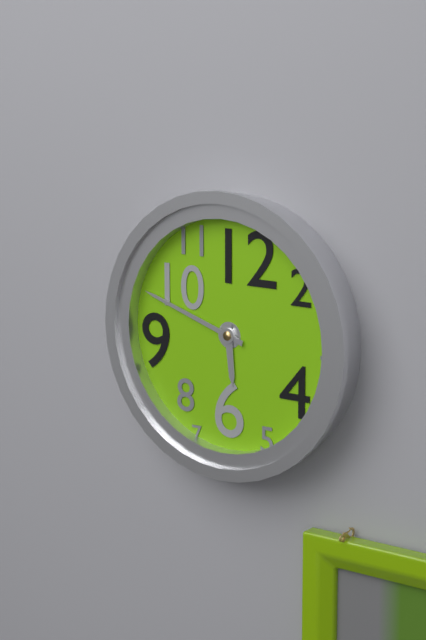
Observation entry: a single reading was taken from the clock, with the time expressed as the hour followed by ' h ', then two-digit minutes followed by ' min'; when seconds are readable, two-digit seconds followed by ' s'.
5 h 48 min
